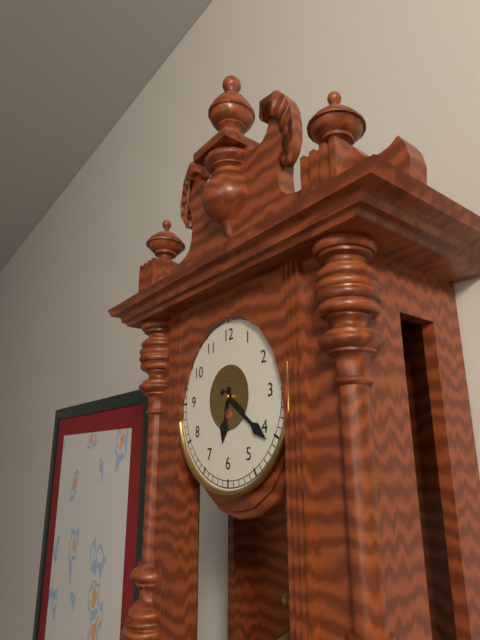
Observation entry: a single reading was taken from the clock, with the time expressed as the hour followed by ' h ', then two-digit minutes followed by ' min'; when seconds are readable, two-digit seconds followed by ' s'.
6 h 21 min
